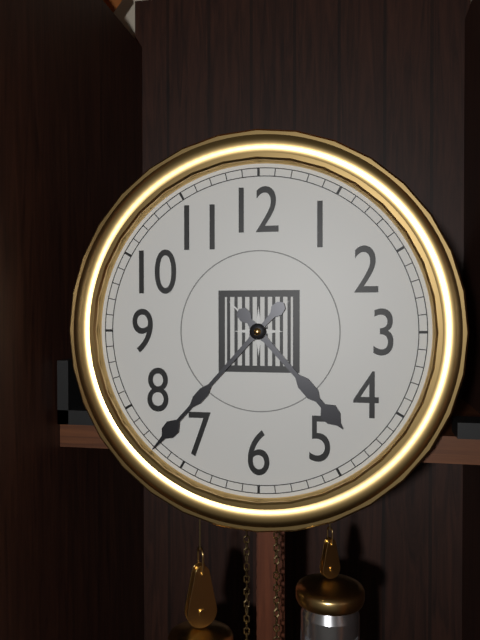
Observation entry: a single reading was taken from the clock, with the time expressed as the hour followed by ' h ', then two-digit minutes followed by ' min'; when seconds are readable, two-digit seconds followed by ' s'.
4 h 37 min
